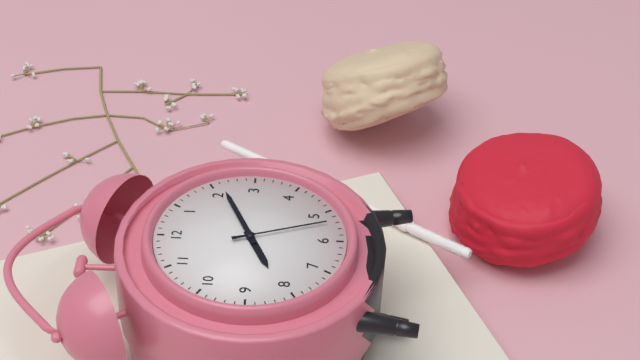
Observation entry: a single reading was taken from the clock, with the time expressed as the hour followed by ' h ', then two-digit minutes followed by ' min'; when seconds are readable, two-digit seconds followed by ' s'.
8 h 11 min 27 s
